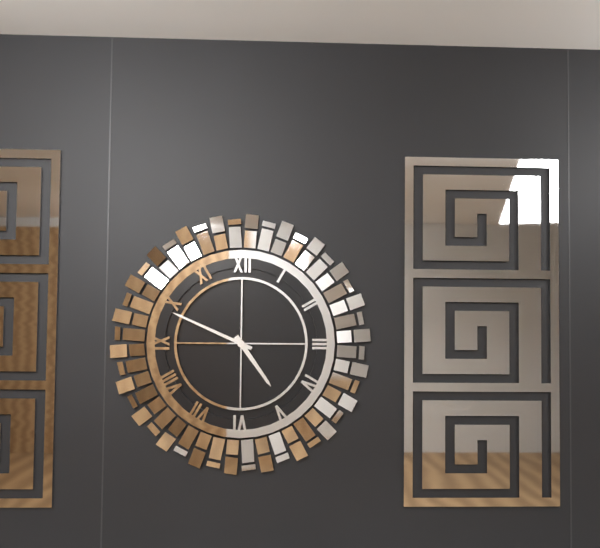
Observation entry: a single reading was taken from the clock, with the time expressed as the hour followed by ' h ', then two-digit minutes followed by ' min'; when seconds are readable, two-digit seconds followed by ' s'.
4 h 49 min
